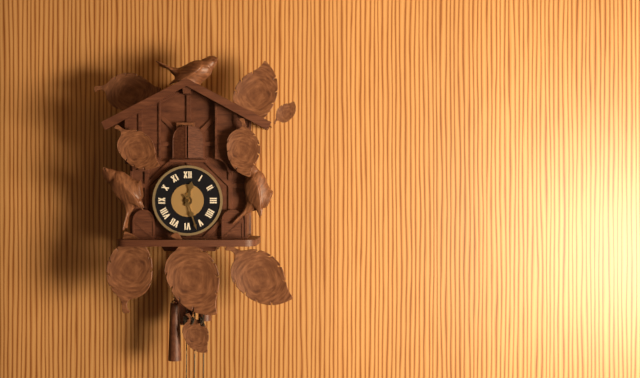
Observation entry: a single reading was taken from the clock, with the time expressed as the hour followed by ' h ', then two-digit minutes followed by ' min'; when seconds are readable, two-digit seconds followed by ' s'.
12 h 27 min
